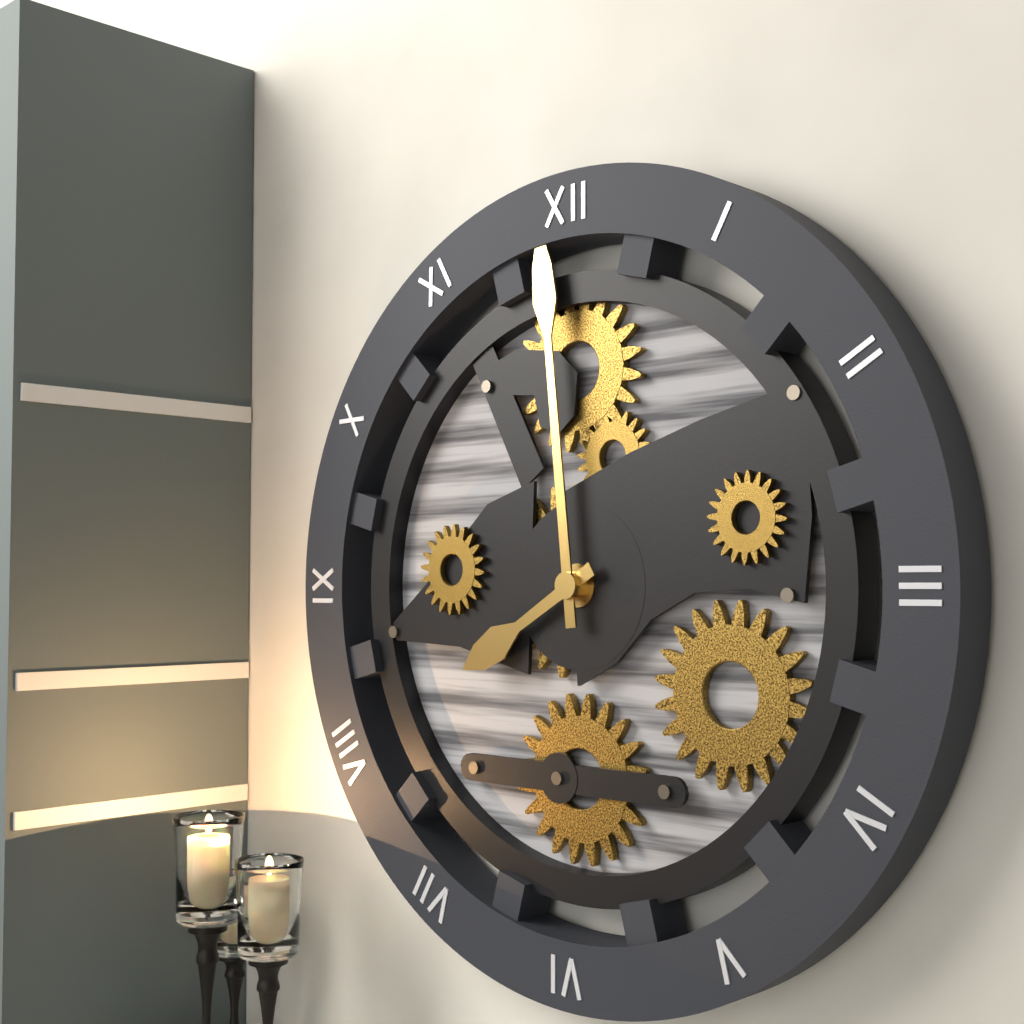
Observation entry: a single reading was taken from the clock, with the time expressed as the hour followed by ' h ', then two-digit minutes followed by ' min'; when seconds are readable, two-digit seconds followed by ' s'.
7 h 59 min
